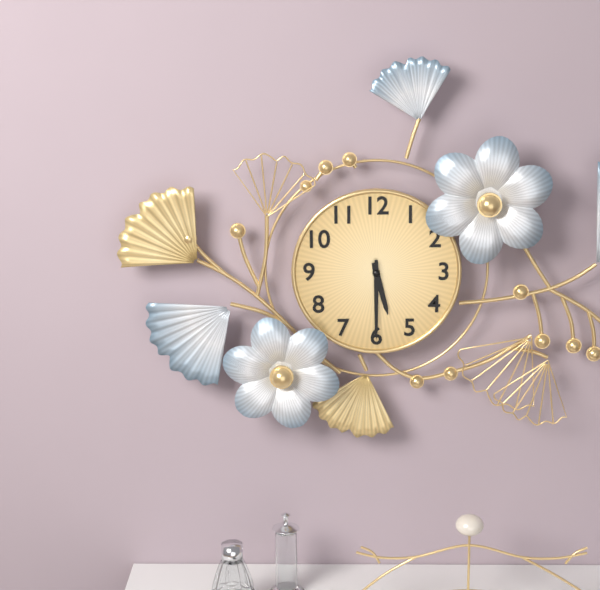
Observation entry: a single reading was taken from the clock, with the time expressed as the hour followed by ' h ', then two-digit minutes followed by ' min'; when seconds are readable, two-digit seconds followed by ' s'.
5 h 30 min
